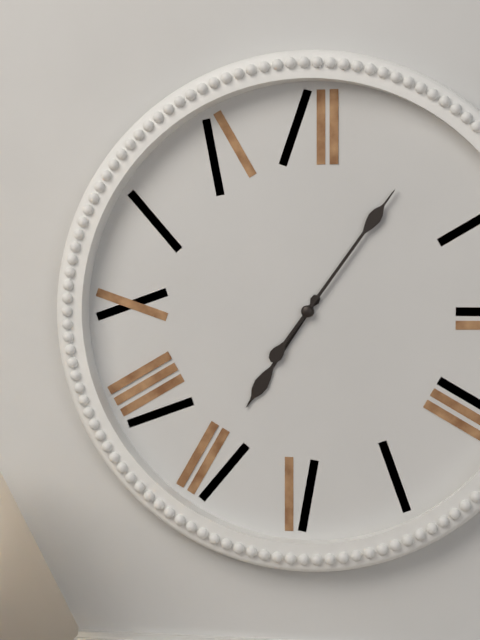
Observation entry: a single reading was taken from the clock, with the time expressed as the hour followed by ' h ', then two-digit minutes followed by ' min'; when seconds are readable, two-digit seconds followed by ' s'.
7 h 06 min
